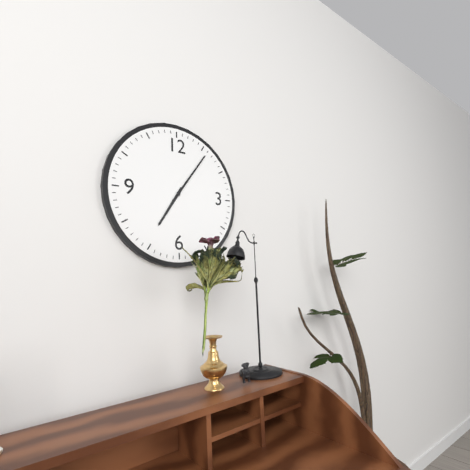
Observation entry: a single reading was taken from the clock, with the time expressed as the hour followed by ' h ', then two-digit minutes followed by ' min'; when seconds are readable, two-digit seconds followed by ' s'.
7 h 06 min
